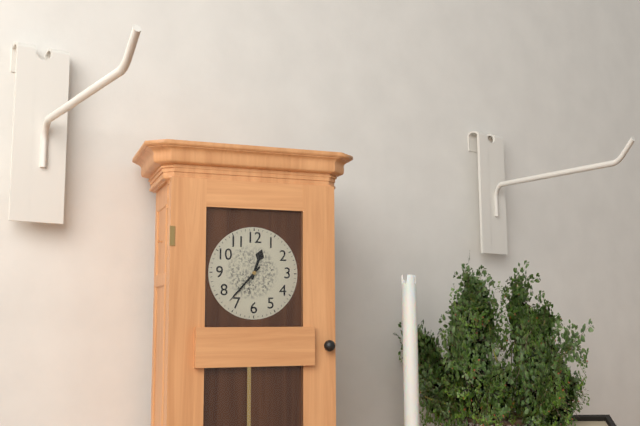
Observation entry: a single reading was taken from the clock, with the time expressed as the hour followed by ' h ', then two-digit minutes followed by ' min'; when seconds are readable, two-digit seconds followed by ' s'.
12 h 37 min
